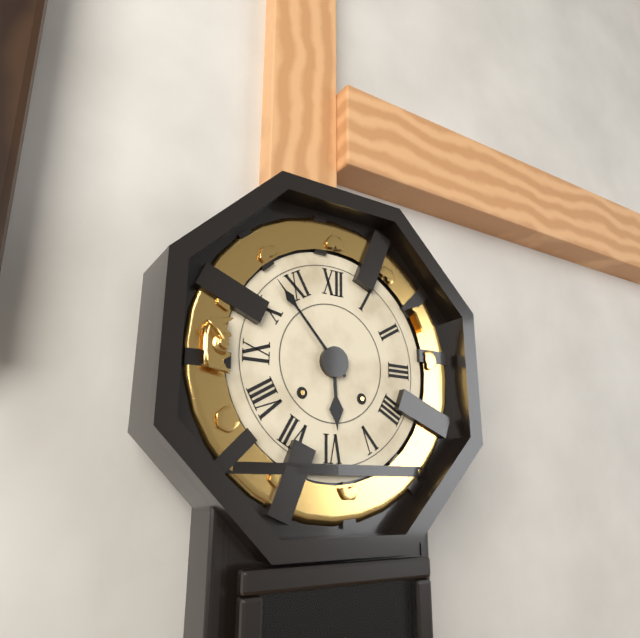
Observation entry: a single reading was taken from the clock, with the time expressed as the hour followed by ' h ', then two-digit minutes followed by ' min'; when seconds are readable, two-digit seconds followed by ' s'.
5 h 53 min
